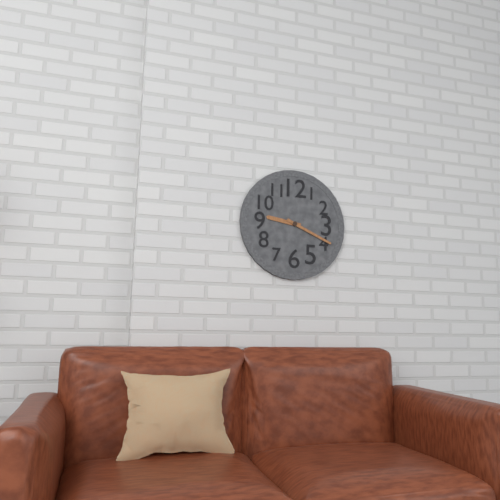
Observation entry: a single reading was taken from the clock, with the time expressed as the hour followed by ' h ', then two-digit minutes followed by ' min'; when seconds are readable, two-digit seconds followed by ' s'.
9 h 19 min
